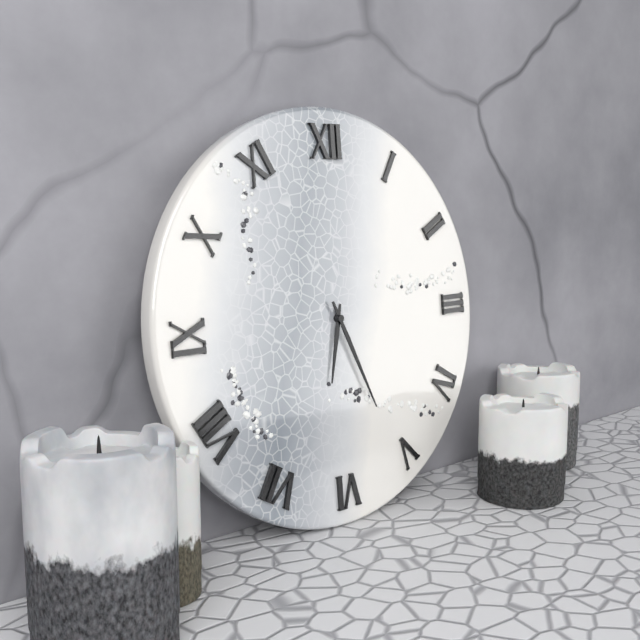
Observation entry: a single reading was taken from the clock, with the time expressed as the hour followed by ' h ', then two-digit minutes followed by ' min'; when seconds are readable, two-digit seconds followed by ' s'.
6 h 26 min
